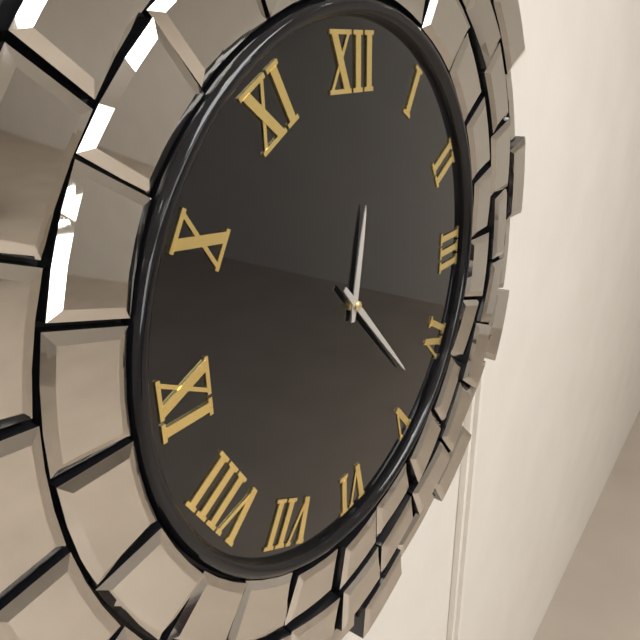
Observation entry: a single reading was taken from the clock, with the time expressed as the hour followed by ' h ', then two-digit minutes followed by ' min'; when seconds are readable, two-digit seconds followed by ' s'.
12 h 23 min
